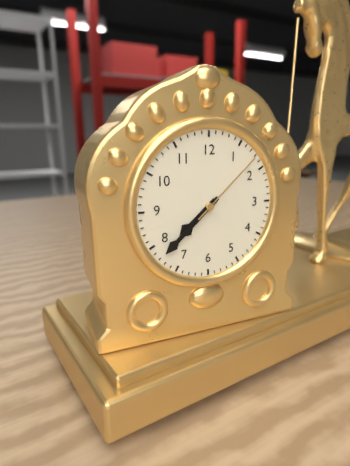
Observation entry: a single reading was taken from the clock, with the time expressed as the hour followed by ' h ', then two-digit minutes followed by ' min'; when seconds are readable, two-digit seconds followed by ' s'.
7 h 38 min 08 s
